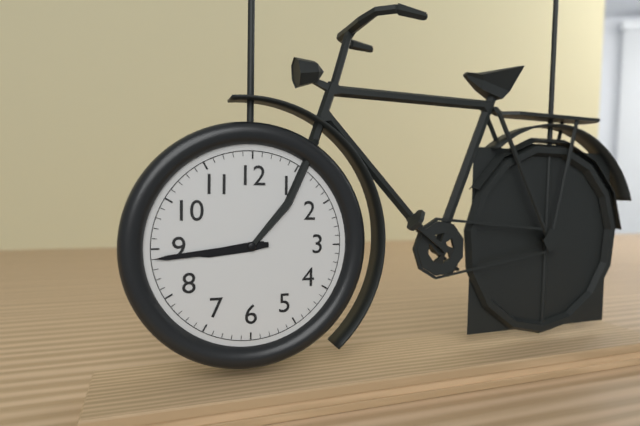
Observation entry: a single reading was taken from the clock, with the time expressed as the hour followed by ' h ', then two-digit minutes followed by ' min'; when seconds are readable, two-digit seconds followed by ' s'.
8 h 44 min
